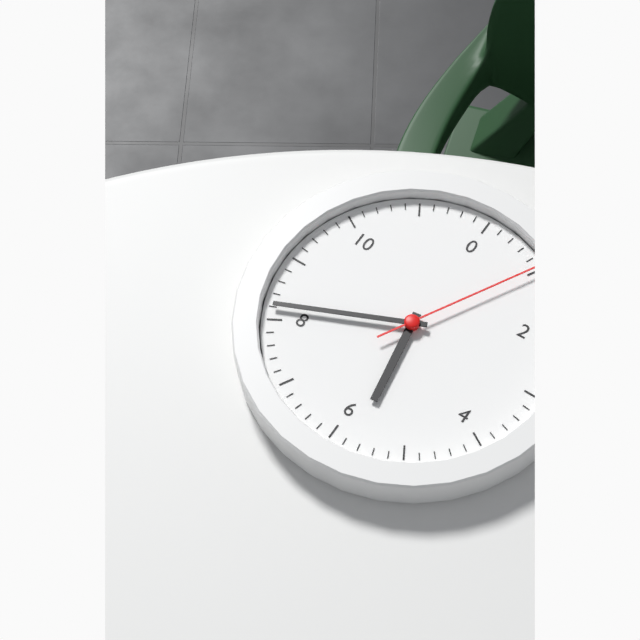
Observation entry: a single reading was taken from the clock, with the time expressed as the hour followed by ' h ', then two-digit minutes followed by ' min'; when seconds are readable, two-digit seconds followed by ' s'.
5 h 41 min 05 s
